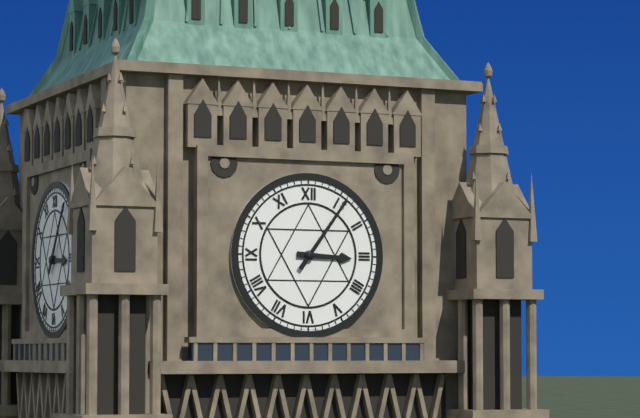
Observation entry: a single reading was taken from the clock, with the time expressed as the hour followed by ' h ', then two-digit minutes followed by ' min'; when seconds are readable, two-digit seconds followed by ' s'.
3 h 06 min
